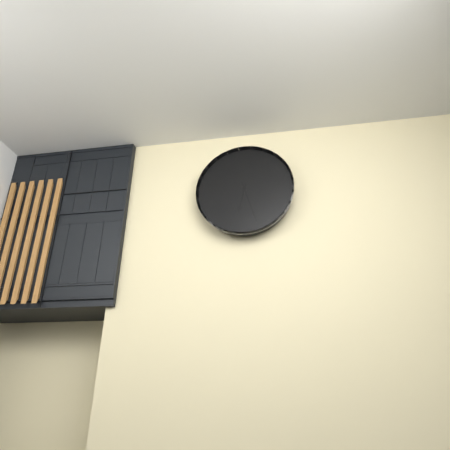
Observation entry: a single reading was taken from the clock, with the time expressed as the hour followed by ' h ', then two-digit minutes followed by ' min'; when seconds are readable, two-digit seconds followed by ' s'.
6 h 27 min
